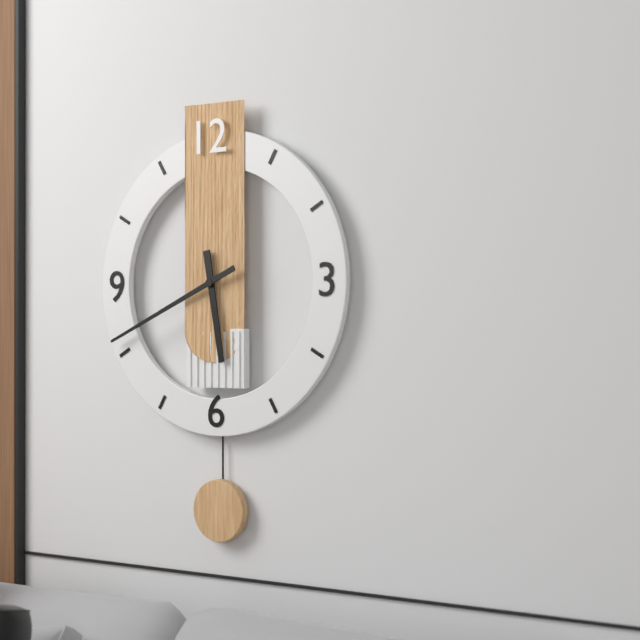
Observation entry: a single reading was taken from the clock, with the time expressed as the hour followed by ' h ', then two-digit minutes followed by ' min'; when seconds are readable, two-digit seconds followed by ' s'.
5 h 41 min
